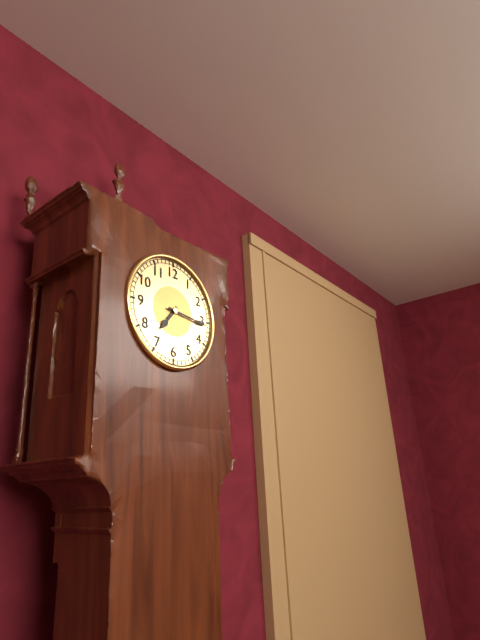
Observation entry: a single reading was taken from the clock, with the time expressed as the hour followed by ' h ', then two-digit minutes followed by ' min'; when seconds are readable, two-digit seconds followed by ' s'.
7 h 16 min
